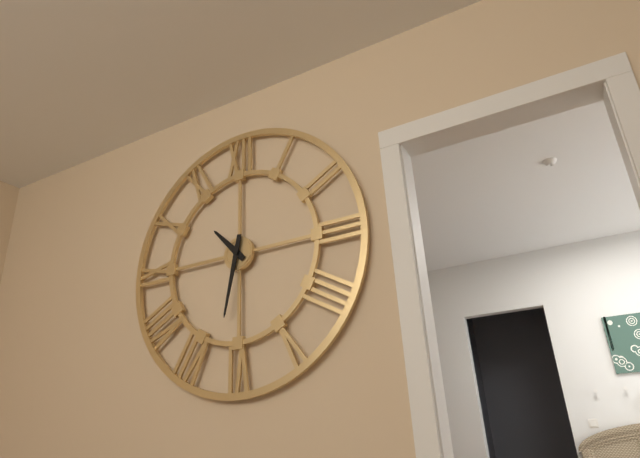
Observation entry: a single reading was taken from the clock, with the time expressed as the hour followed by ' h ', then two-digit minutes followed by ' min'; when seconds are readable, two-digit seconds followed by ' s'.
10 h 32 min
